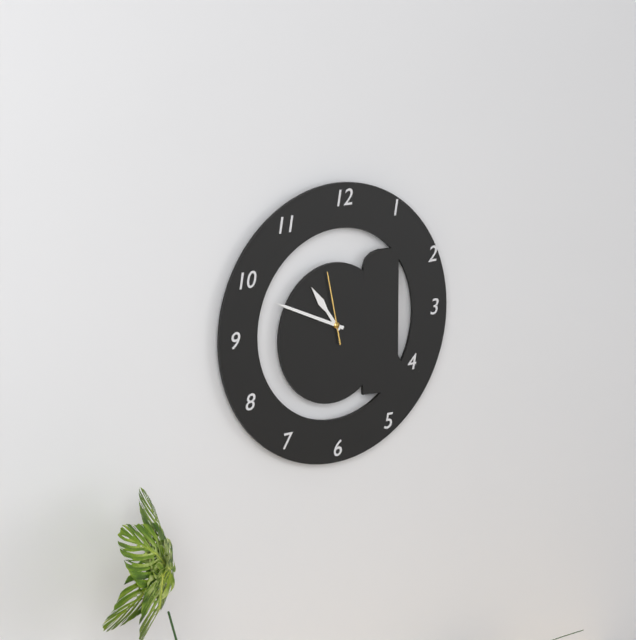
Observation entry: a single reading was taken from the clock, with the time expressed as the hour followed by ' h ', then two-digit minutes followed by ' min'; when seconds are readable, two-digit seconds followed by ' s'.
10 h 49 min 58 s
